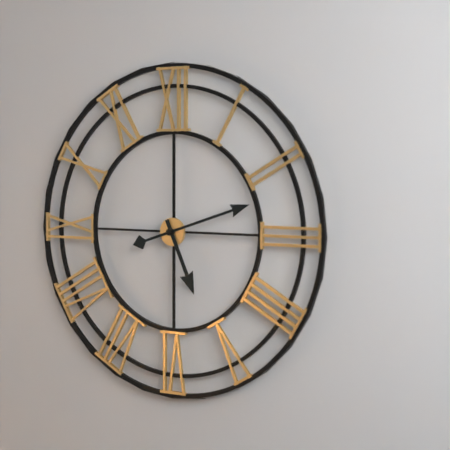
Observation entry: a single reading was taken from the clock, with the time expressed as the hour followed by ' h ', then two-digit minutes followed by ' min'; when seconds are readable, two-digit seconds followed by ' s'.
5 h 12 min
